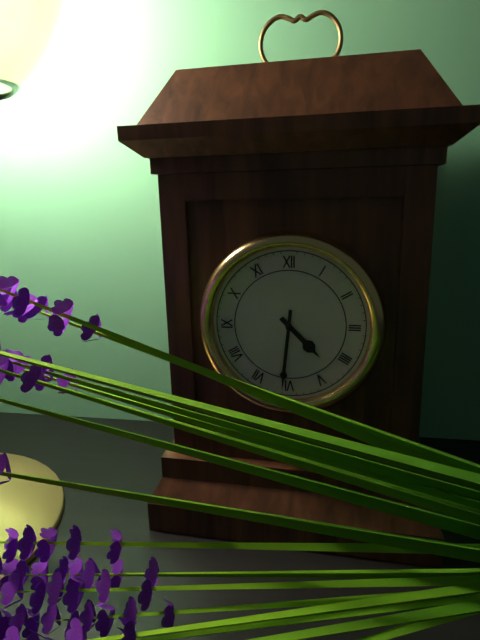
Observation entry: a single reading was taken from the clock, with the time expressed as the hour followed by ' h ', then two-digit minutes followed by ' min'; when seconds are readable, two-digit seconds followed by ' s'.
4 h 31 min
